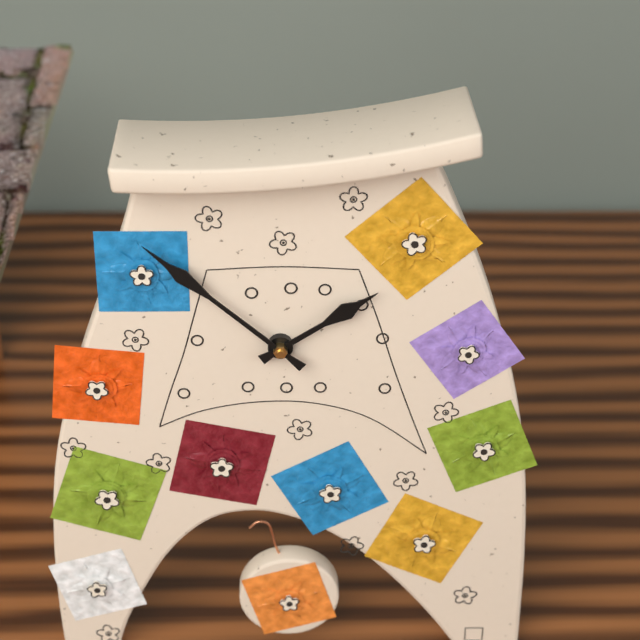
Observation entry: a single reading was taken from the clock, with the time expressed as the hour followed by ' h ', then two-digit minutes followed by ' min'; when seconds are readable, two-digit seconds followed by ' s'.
1 h 52 min
